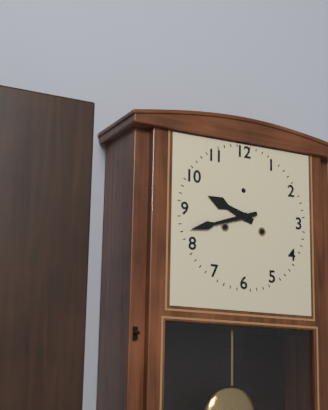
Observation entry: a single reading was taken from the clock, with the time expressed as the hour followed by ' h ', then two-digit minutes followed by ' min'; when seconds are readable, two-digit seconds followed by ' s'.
9 h 42 min
